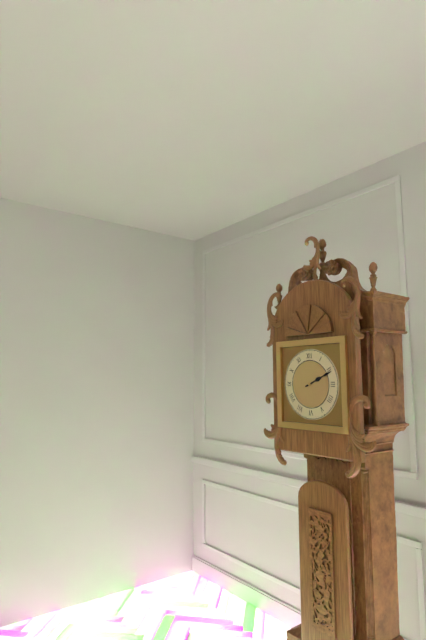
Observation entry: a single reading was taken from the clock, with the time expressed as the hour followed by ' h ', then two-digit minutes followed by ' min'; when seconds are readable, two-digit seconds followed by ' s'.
2 h 11 min
